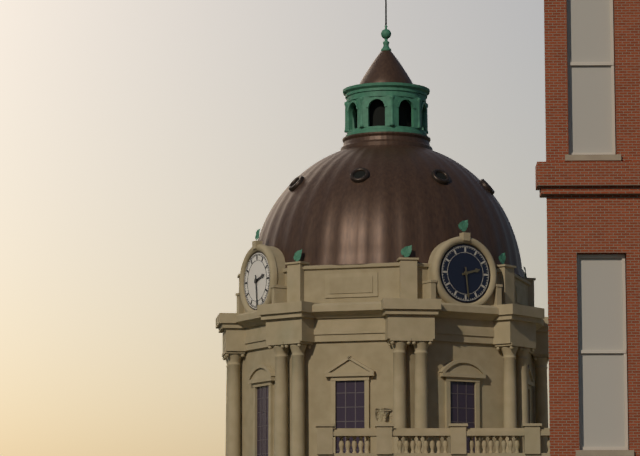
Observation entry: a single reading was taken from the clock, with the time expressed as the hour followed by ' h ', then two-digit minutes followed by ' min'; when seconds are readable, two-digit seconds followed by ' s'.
2 h 29 min
